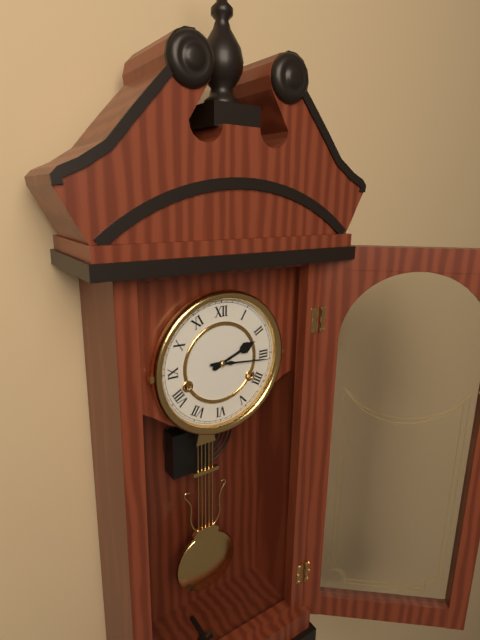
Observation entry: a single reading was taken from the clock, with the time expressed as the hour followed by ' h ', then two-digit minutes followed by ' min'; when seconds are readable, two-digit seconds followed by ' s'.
2 h 16 min
